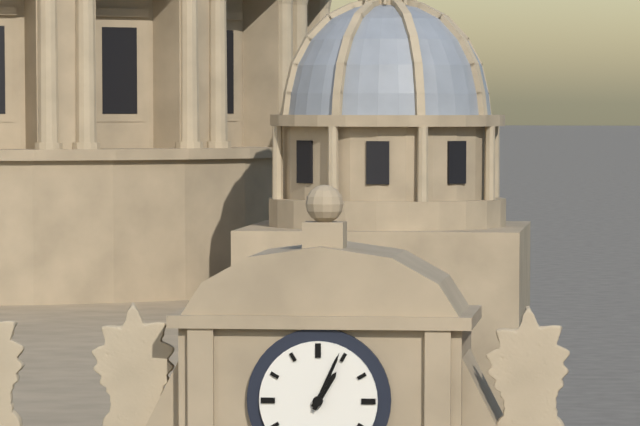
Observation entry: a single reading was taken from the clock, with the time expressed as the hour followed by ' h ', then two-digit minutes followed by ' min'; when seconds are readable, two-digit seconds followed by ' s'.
1 h 04 min
